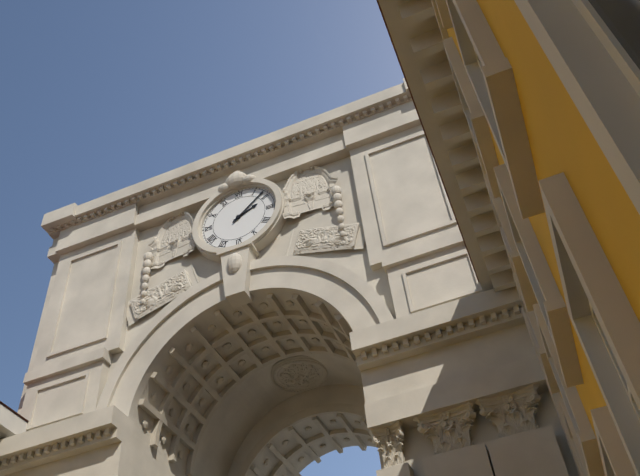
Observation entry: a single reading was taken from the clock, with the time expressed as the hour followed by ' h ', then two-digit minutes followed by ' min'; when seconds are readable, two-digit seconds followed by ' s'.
2 h 08 min
